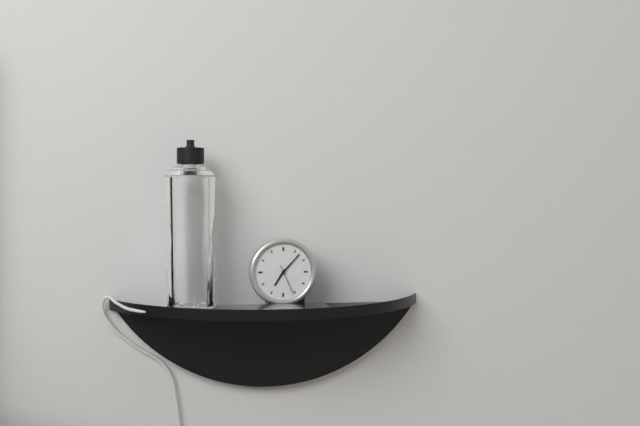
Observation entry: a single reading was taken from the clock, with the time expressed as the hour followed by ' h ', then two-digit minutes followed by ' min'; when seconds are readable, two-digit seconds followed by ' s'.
7 h 07 min
